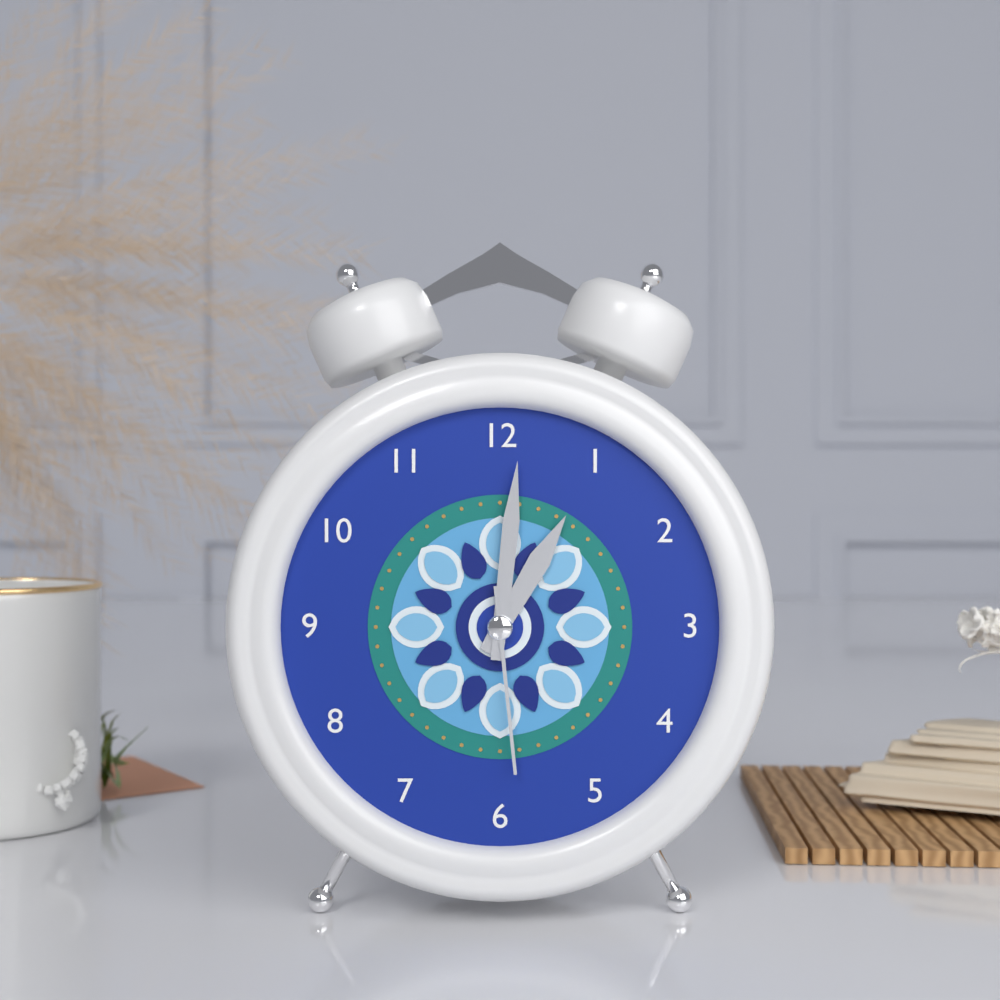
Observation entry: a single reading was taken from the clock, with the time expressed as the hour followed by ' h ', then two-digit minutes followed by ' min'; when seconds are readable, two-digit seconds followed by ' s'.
1 h 01 min 29 s
